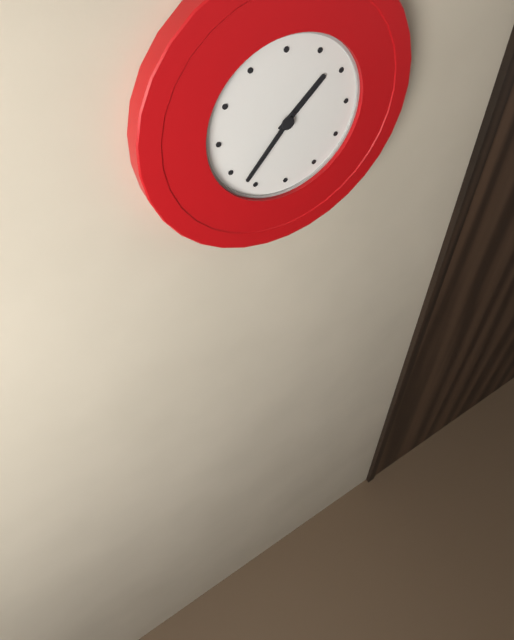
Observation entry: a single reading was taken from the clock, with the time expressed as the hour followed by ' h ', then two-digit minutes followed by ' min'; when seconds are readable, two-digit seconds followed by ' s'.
1 h 37 min
